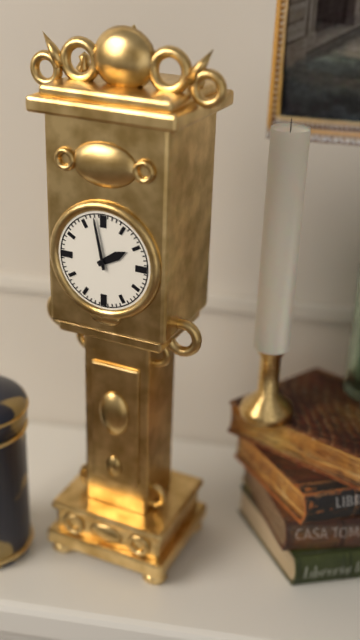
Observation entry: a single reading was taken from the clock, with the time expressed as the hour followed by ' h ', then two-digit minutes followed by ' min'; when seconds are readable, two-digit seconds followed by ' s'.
1 h 58 min
